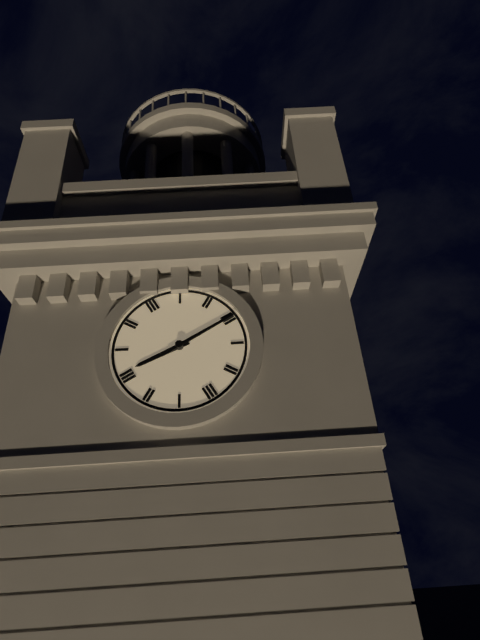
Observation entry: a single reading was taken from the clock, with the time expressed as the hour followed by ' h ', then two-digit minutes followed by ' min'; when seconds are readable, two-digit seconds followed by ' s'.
8 h 10 min
